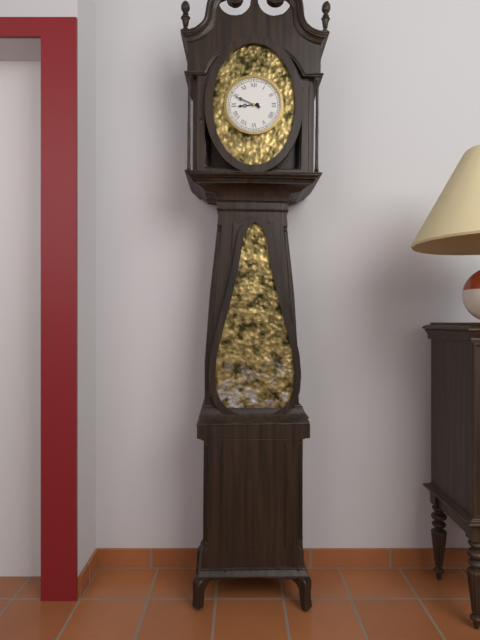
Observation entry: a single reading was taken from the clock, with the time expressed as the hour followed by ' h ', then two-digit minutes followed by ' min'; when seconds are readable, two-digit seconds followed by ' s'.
8 h 49 min
